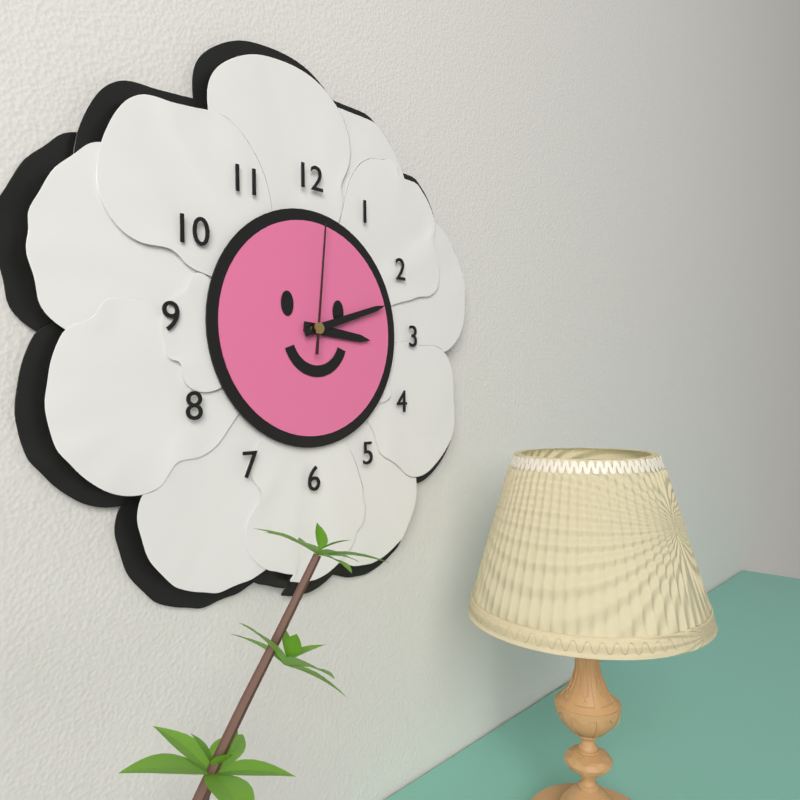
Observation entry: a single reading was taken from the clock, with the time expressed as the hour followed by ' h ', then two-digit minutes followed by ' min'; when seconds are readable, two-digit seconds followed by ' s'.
3 h 12 min 01 s
